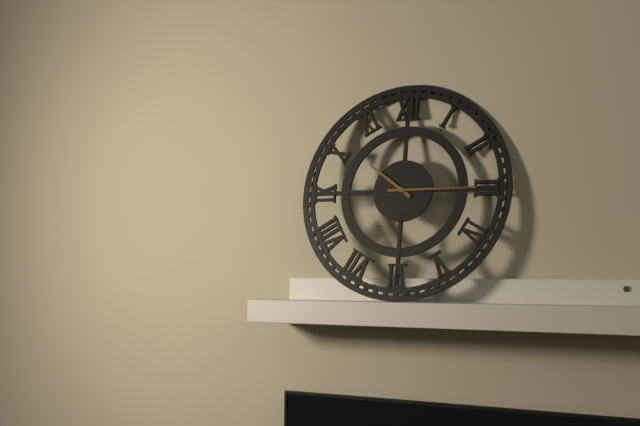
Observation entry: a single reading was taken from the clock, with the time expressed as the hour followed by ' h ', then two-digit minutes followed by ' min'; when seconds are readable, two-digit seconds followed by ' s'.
10 h 15 min
